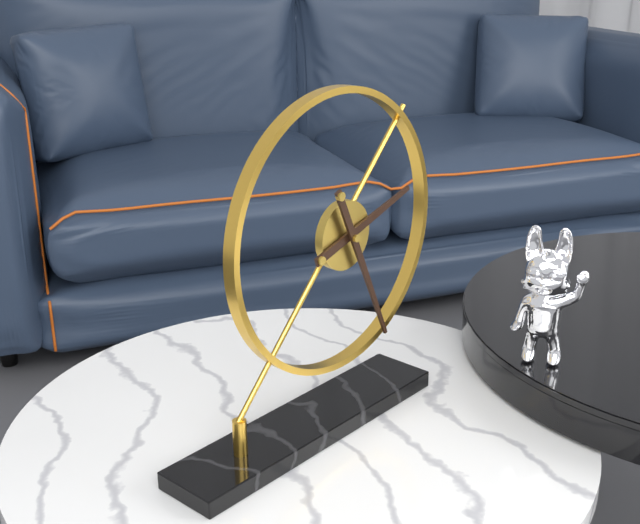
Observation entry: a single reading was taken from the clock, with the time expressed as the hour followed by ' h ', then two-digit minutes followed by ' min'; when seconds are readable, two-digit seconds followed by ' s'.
2 h 26 min
